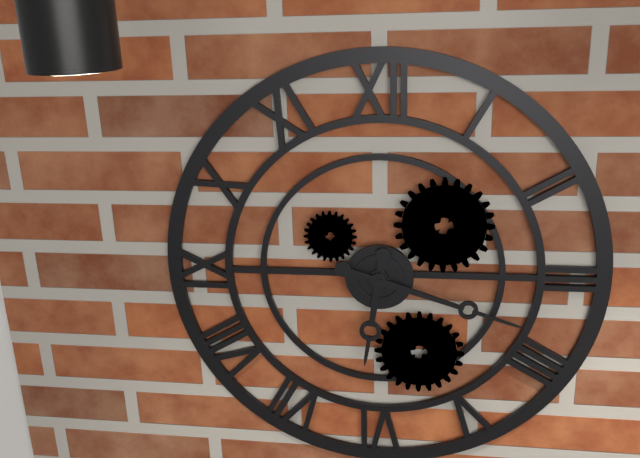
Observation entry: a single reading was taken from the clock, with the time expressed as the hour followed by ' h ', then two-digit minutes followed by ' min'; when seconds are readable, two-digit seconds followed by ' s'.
6 h 18 min
